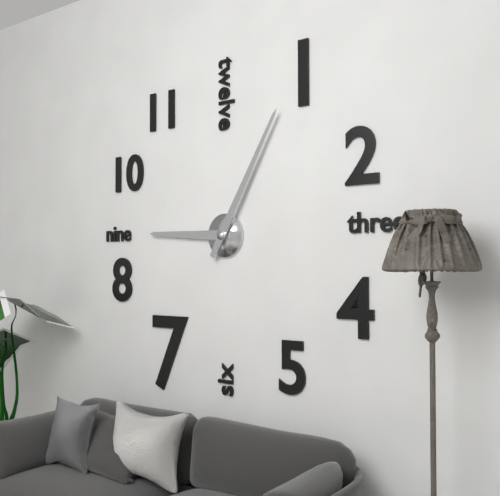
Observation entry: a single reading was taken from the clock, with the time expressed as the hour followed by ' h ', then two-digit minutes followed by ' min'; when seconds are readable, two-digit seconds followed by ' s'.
9 h 05 min
